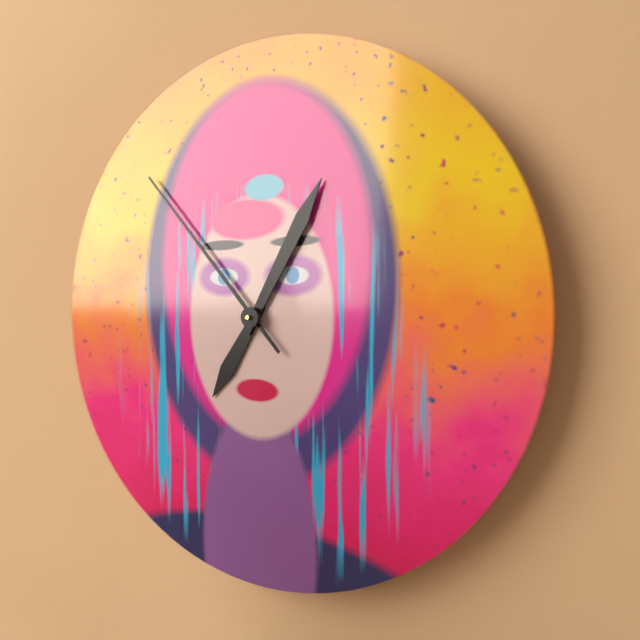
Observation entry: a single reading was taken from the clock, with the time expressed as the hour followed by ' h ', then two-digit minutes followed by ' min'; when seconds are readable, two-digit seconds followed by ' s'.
7 h 05 min 53 s
